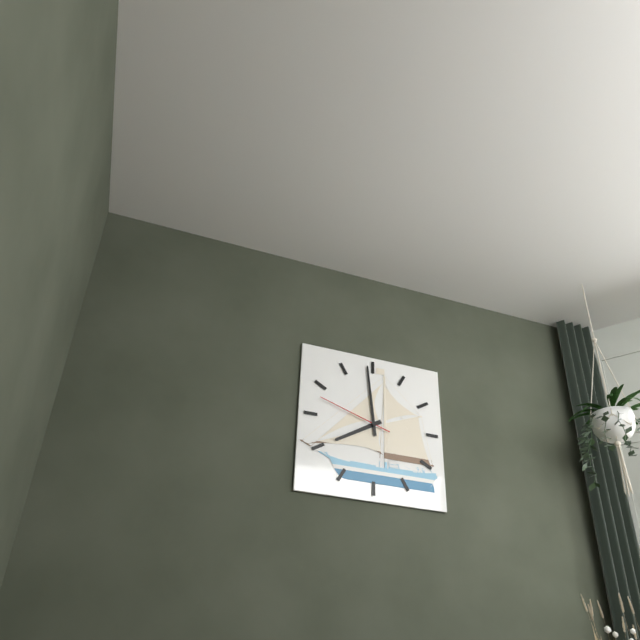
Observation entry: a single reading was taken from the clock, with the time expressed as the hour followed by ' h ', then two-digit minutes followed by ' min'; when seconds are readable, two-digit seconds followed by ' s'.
7 h 59 min 48 s
